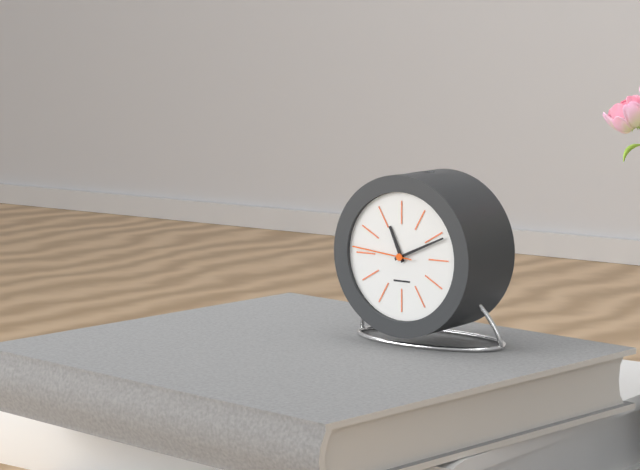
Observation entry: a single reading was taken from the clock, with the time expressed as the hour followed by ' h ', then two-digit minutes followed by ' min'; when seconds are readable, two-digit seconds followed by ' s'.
11 h 11 min 46 s
